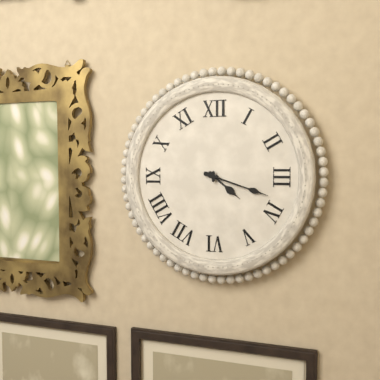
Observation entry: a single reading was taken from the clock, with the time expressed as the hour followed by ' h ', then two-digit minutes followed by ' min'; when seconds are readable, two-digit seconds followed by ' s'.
4 h 18 min
